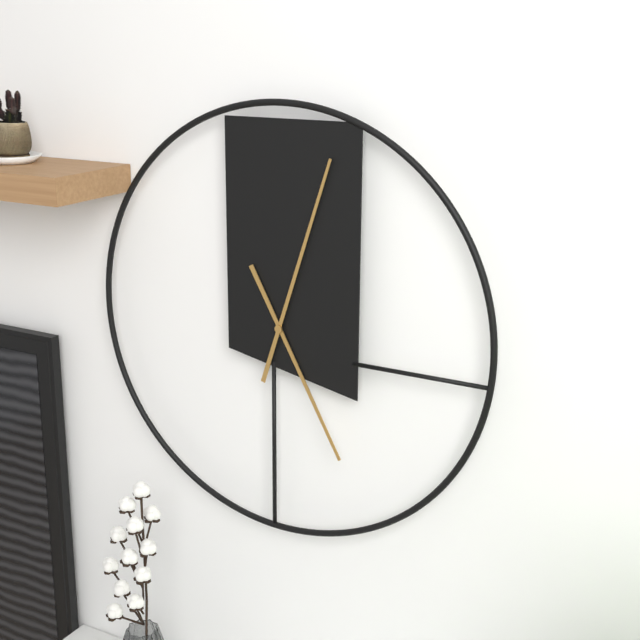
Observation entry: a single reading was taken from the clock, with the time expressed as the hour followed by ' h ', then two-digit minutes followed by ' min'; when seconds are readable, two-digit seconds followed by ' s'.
5 h 03 min
